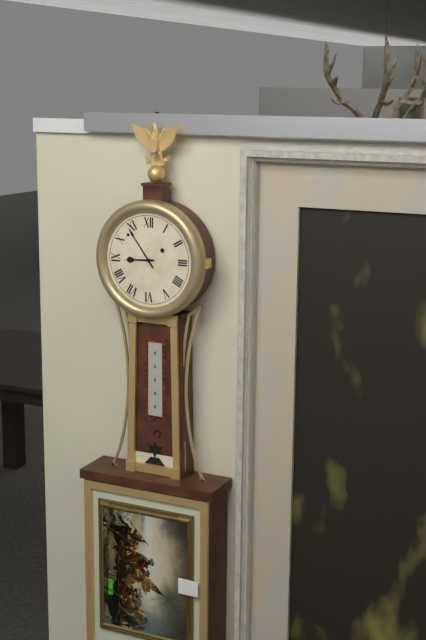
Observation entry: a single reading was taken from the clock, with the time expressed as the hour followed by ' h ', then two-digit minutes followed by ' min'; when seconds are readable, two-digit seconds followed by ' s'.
8 h 54 min
